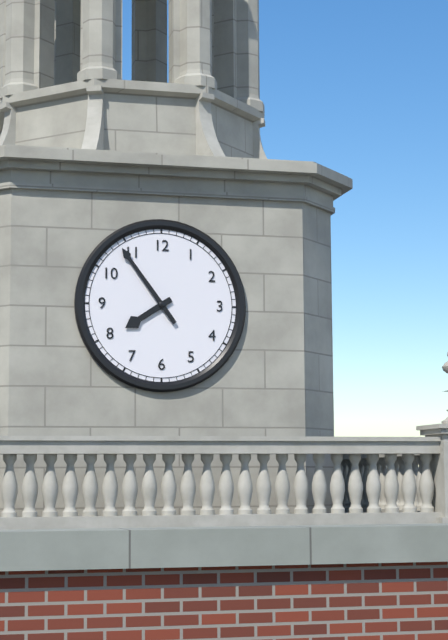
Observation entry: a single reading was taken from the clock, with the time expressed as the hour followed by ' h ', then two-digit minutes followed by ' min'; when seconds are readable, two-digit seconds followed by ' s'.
7 h 54 min
